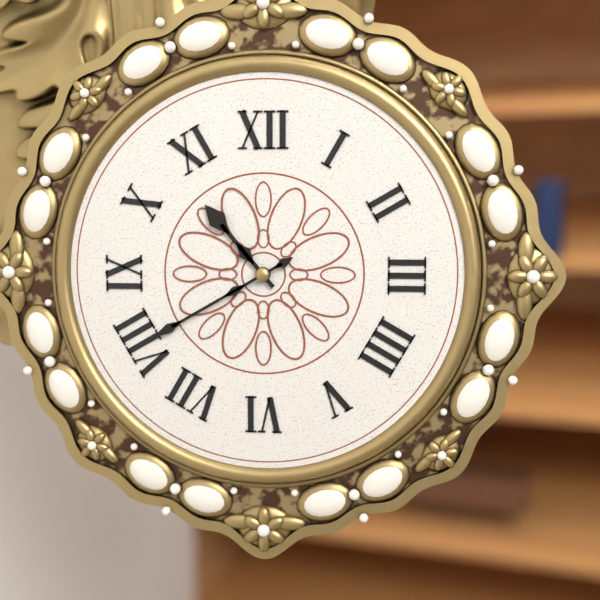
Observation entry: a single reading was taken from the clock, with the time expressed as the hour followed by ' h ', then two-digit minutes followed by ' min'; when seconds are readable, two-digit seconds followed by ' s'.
10 h 40 min
